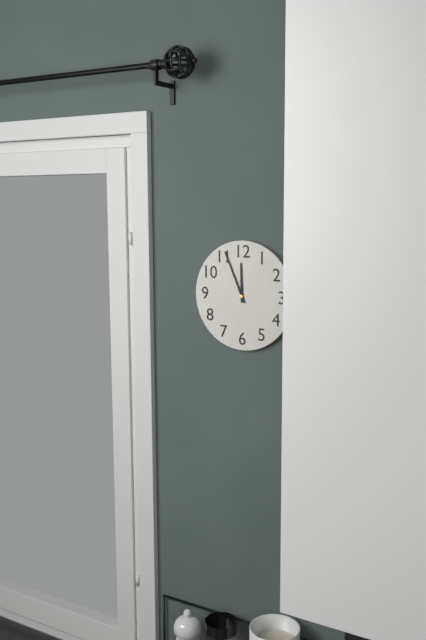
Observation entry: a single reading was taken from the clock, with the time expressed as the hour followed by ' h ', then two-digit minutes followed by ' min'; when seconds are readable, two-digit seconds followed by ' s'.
11 h 56 min
